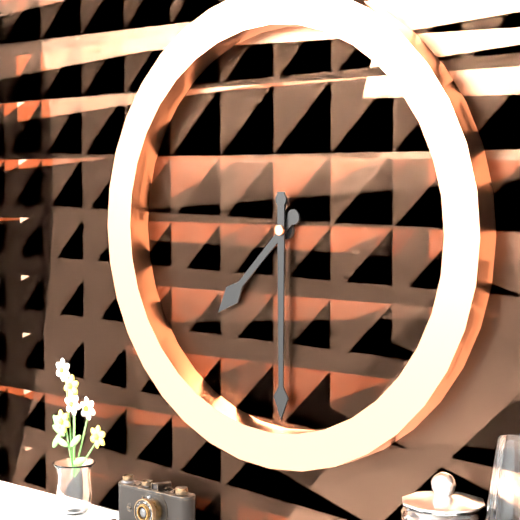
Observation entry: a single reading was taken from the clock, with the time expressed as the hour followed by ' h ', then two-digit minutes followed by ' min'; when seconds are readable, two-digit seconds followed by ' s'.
7 h 30 min
